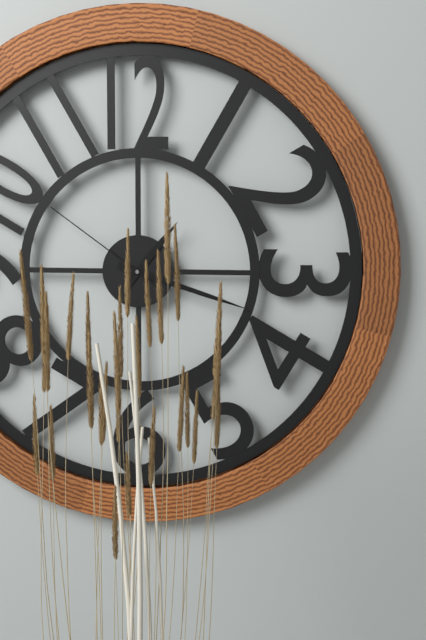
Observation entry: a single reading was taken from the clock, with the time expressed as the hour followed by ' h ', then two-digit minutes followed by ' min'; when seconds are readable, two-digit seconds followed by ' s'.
1 h 18 min 51 s
